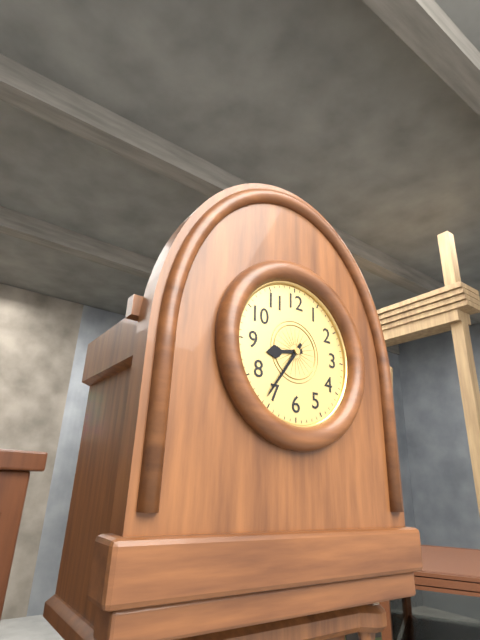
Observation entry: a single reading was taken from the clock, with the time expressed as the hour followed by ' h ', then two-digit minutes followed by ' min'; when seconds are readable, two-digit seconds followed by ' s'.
8 h 36 min
